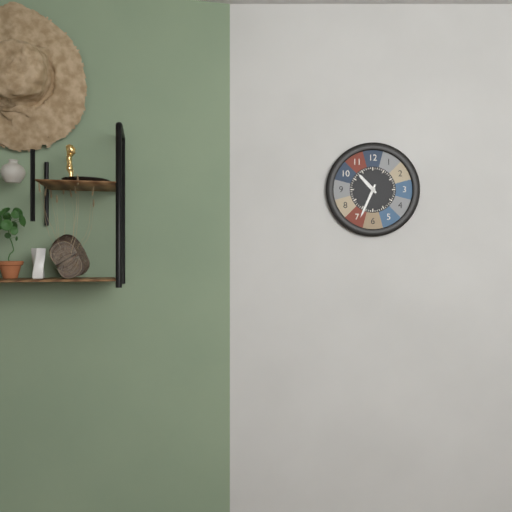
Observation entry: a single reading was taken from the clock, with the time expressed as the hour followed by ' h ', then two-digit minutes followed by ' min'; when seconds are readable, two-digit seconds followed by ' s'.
10 h 34 min
